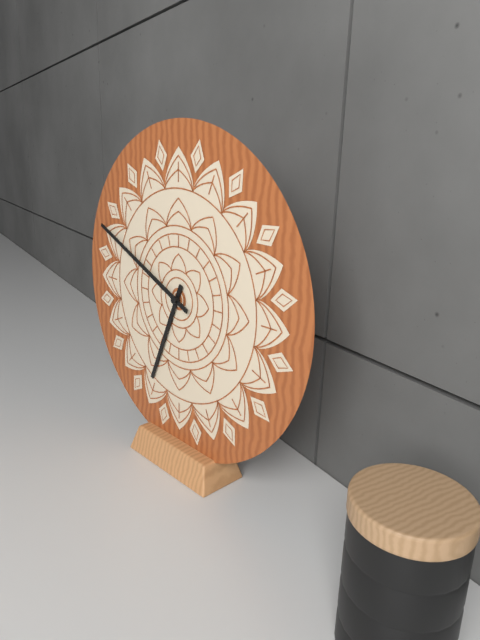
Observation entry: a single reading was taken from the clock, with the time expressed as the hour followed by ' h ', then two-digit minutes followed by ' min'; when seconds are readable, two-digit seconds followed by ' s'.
6 h 49 min
